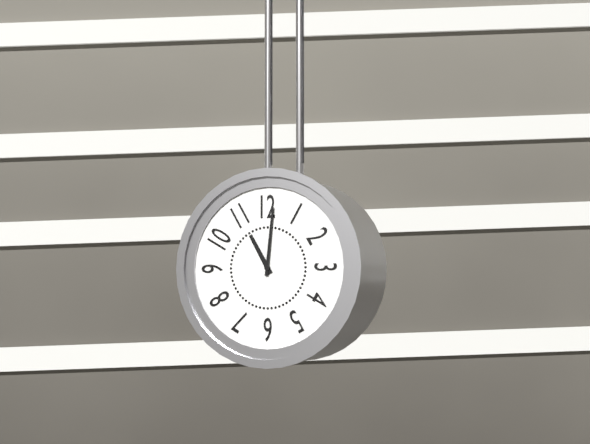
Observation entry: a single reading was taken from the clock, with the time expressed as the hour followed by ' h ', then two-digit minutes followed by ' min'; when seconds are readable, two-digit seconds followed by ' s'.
11 h 01 min
